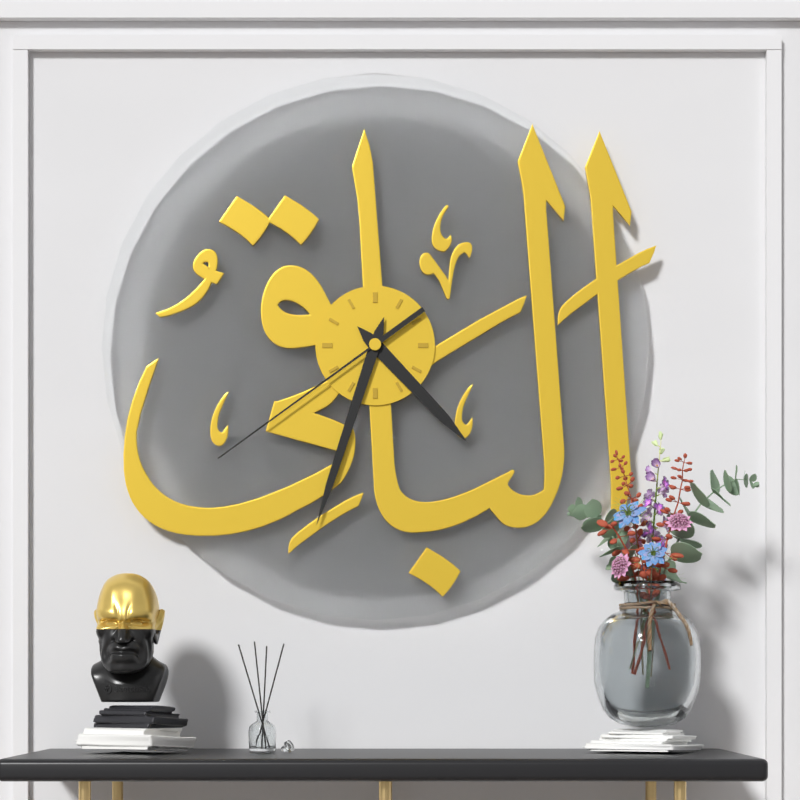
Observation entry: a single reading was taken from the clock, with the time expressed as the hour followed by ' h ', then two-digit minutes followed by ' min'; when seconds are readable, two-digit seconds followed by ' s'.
4 h 33 min 39 s
